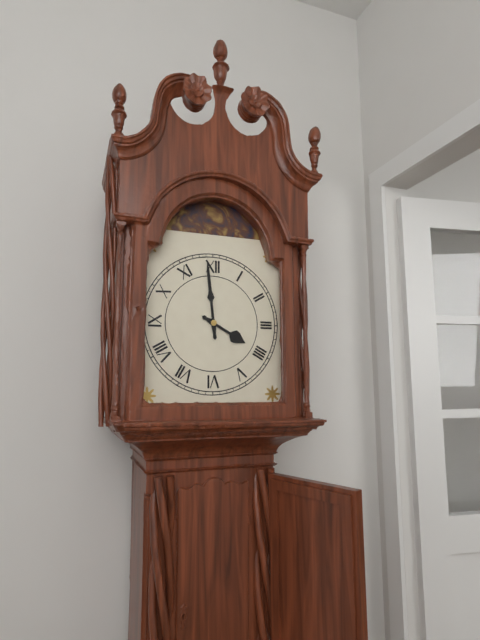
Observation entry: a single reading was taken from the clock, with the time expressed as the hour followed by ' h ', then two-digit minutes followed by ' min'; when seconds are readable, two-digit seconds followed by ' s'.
3 h 59 min
